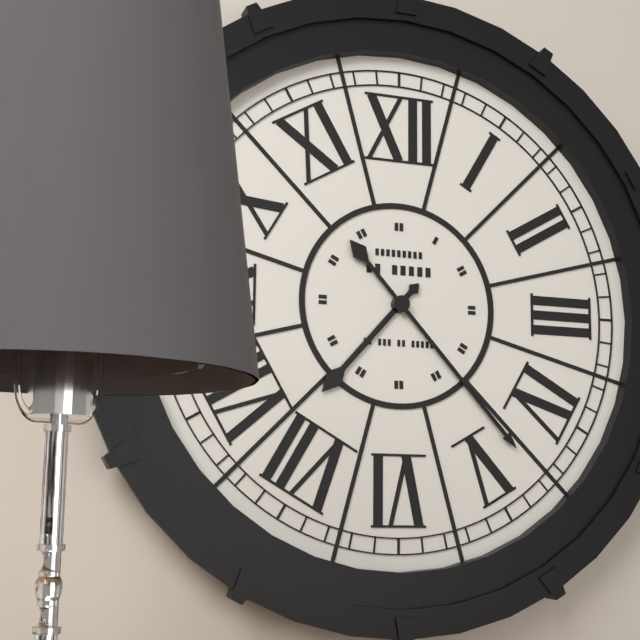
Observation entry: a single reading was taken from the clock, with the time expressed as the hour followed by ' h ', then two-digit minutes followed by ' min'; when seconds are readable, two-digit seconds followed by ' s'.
7 h 23 min
